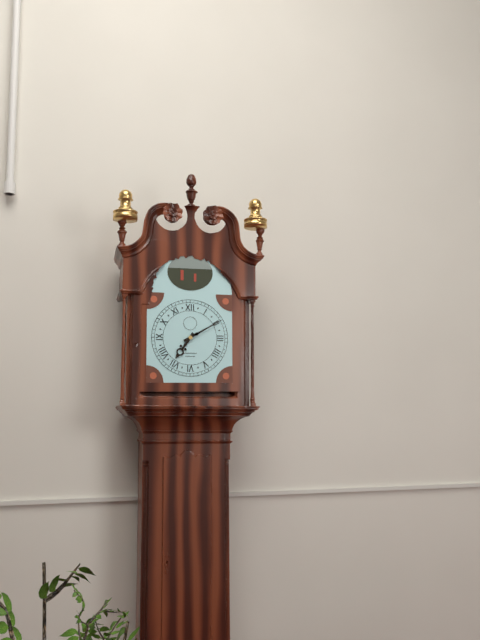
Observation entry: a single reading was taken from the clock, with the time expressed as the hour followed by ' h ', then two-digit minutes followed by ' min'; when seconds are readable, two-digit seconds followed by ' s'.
7 h 10 min
